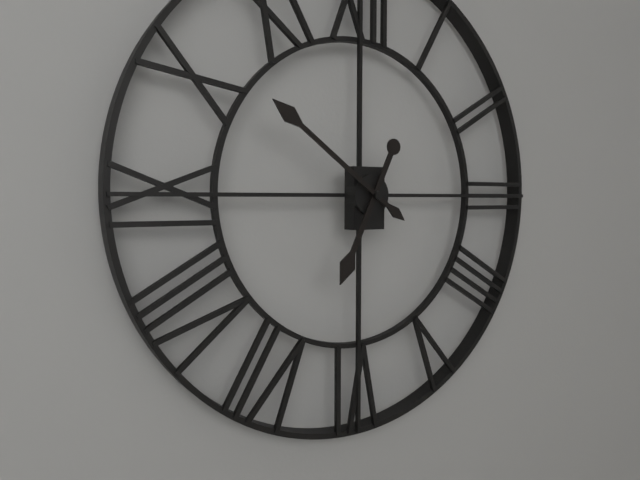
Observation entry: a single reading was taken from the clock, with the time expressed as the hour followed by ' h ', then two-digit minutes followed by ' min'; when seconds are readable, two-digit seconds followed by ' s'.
6 h 51 min
